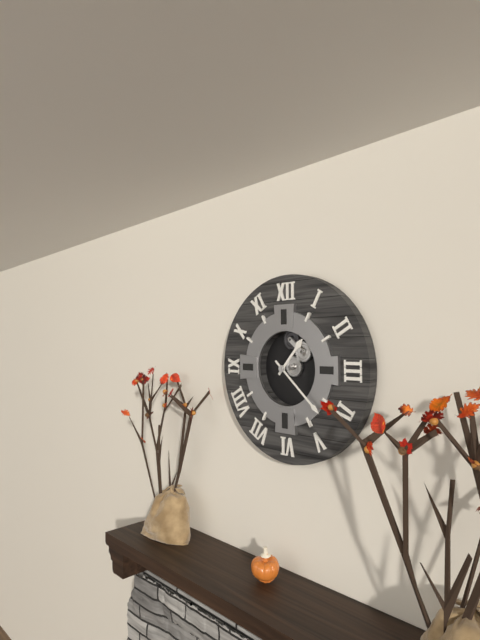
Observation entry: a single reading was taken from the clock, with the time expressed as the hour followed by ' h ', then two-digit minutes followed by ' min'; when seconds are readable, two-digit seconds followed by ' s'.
1 h 22 min
